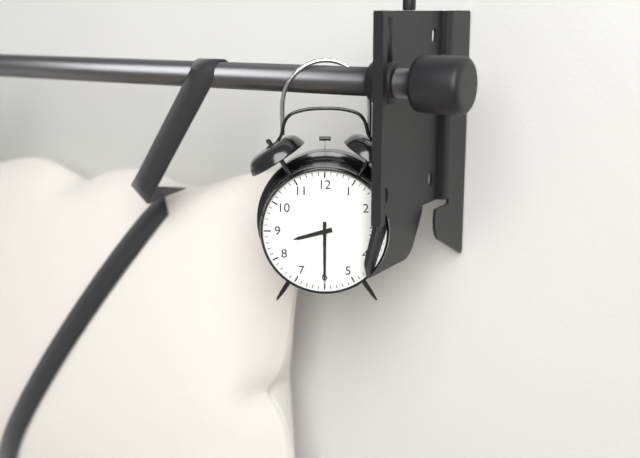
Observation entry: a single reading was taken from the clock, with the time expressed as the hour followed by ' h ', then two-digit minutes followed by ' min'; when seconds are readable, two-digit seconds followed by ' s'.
8 h 30 min
